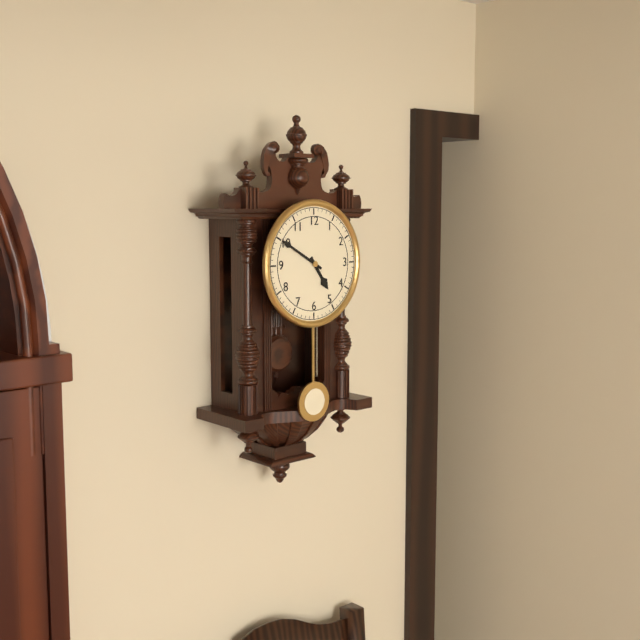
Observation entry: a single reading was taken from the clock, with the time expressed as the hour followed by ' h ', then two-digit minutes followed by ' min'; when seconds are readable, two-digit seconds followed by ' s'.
4 h 50 min
